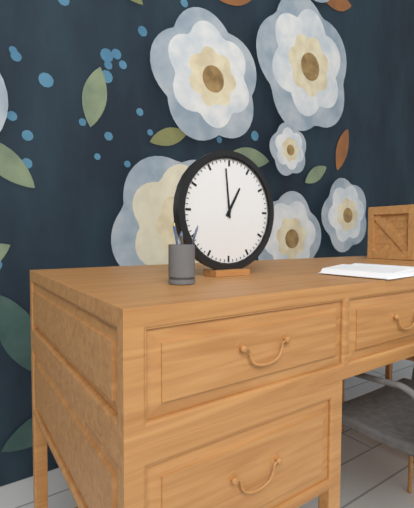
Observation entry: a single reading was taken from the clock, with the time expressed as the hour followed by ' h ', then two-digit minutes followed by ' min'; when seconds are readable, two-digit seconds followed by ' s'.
12 h 59 min
